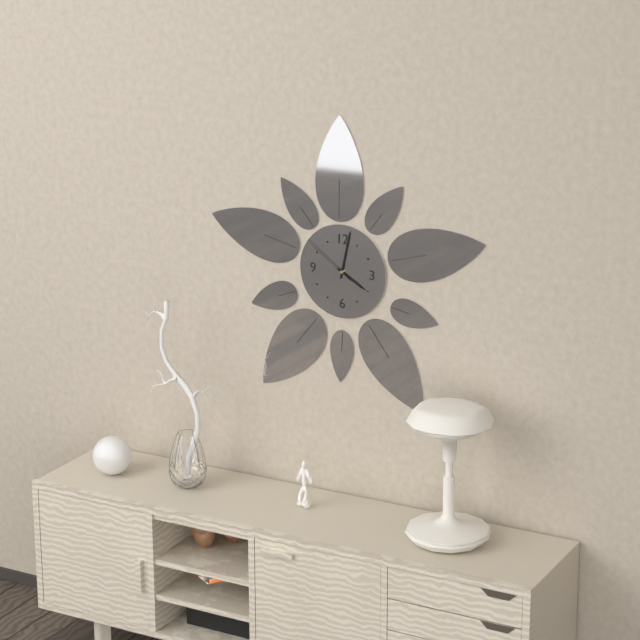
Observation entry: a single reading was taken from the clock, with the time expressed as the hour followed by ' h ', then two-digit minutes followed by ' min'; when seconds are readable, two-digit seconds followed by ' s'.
4 h 02 min 51 s
